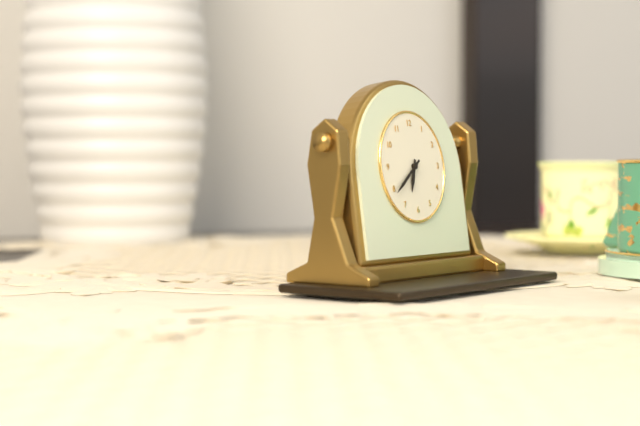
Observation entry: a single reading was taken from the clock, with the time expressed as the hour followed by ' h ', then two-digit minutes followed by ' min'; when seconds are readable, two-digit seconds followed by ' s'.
6 h 39 min
